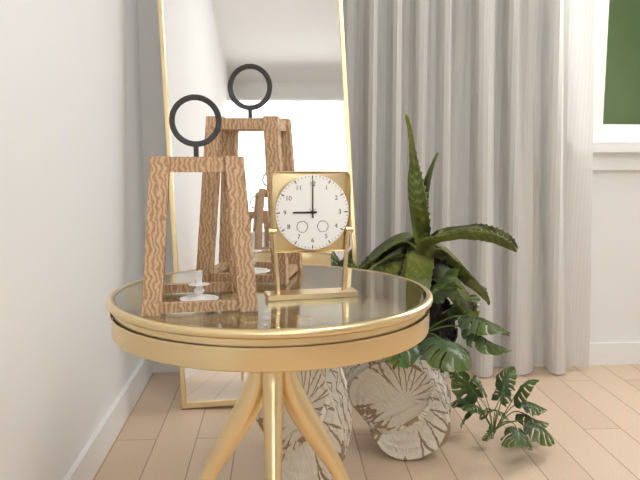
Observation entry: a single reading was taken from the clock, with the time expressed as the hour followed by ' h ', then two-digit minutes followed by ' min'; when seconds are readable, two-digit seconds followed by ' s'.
9 h 00 min
